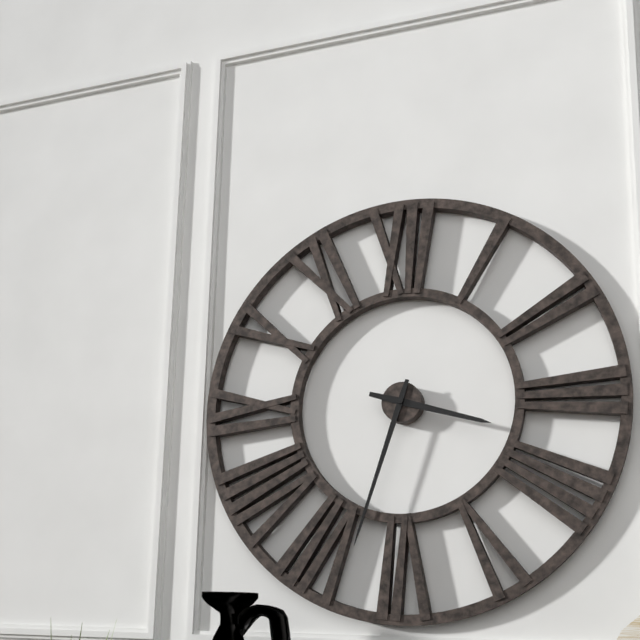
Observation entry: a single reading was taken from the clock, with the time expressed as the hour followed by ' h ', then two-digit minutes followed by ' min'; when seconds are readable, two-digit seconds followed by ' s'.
3 h 33 min
